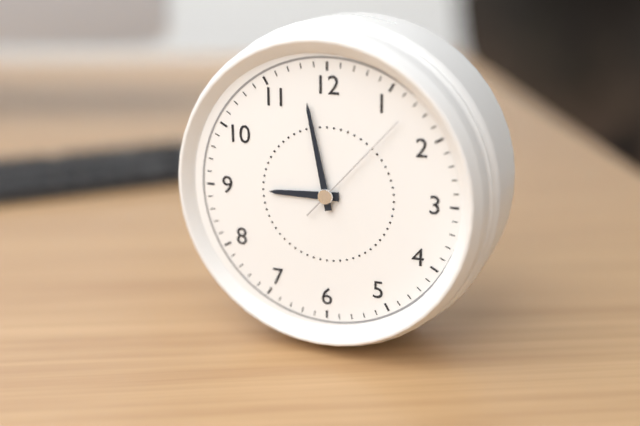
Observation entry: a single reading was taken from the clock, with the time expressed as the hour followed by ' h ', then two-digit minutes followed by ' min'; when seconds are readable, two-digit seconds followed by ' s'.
8 h 58 min 07 s
